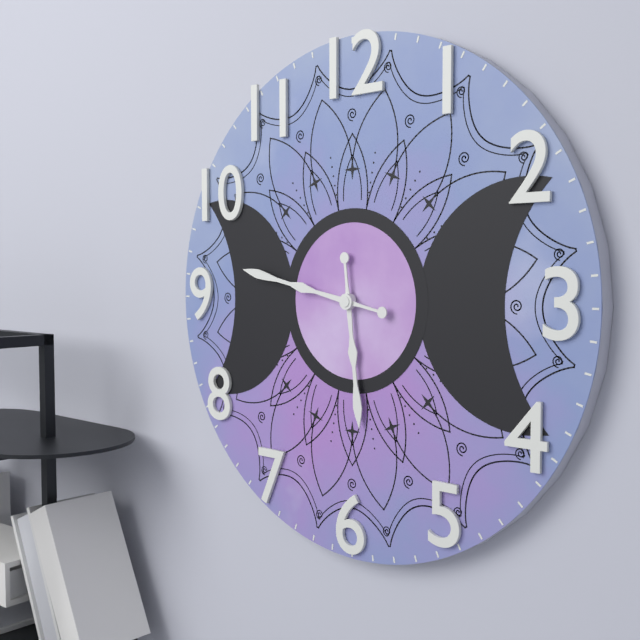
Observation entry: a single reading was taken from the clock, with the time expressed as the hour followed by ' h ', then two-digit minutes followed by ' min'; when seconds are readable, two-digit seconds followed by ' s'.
5 h 47 min
